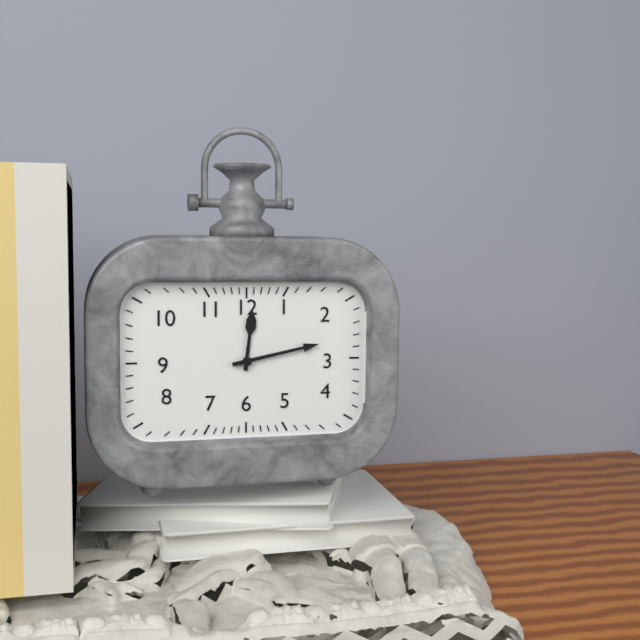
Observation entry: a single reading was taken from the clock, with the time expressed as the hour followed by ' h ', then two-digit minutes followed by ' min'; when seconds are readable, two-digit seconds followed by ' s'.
12 h 13 min
